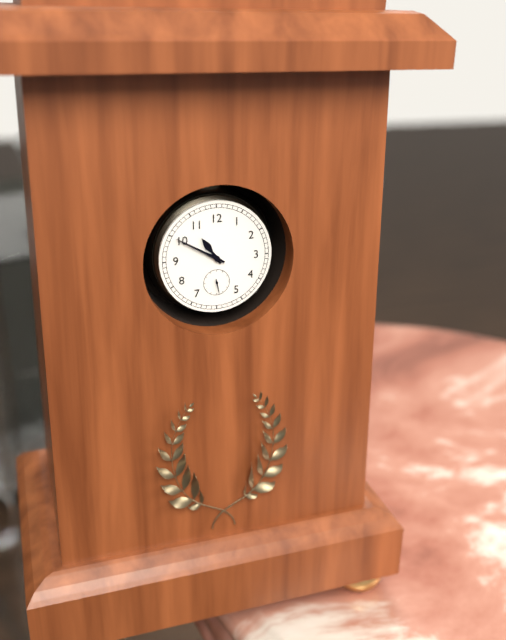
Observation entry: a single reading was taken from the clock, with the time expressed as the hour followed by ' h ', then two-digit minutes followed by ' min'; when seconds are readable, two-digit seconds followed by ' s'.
10 h 50 min
